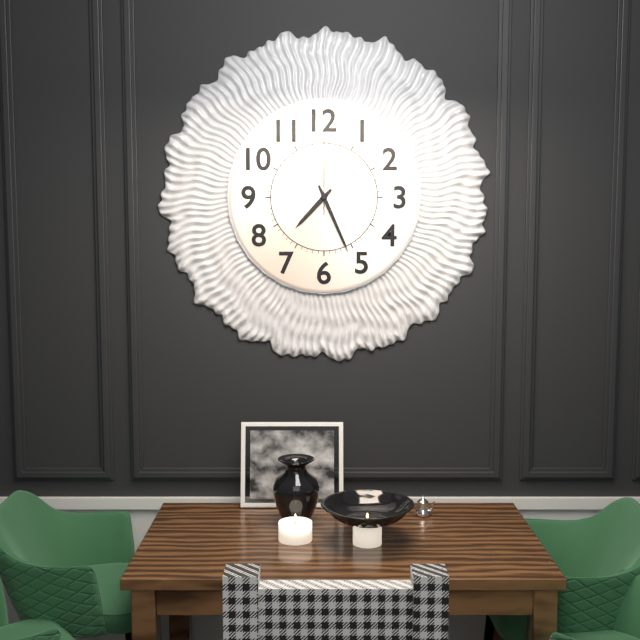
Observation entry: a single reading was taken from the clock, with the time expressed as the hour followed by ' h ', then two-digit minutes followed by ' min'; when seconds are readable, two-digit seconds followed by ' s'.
7 h 26 min 00 s
